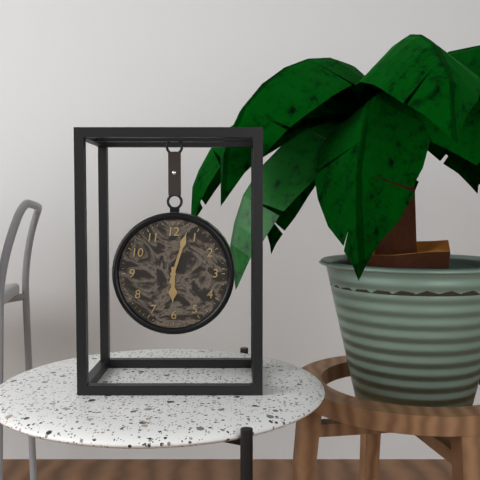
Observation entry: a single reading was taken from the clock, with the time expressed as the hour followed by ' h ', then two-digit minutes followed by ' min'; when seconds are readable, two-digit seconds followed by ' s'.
6 h 03 min
